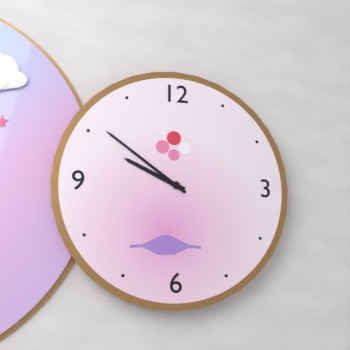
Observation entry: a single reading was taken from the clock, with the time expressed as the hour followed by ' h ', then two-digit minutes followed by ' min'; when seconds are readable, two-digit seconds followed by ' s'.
9 h 51 min
